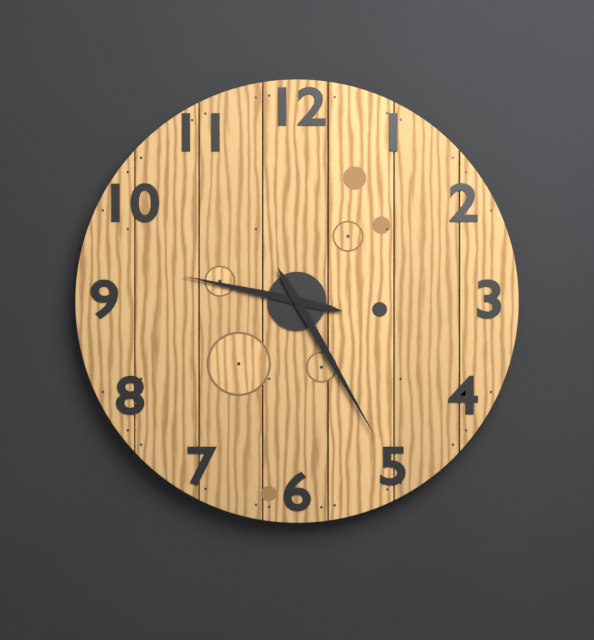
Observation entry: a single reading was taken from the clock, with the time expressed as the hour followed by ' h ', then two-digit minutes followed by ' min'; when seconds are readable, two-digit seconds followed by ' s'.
9 h 25 min
